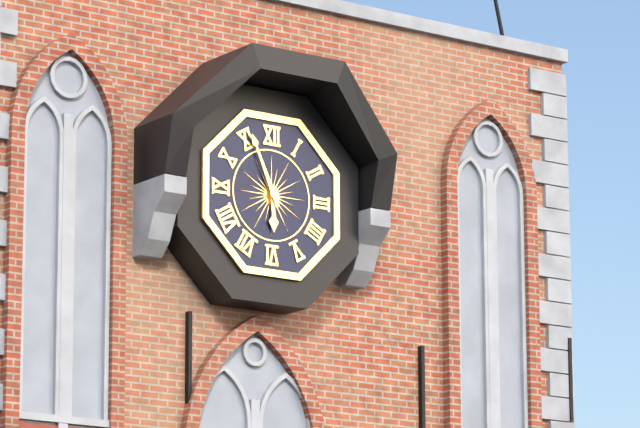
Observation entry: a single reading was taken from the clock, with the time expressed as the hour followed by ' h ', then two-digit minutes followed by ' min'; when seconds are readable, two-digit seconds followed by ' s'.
5 h 56 min
